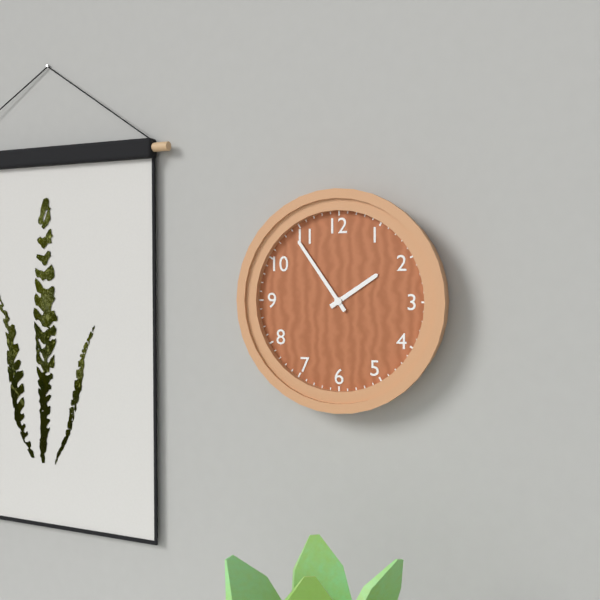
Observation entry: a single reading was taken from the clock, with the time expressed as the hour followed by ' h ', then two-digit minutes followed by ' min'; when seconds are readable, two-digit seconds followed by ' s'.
1 h 54 min
